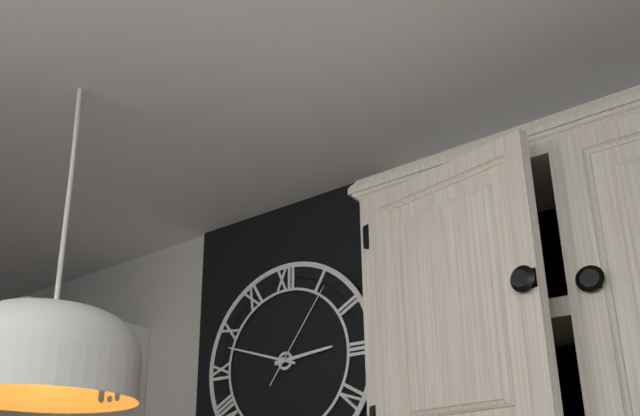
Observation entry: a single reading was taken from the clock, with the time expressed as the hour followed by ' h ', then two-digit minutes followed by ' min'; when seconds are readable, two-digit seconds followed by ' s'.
2 h 48 min 06 s
